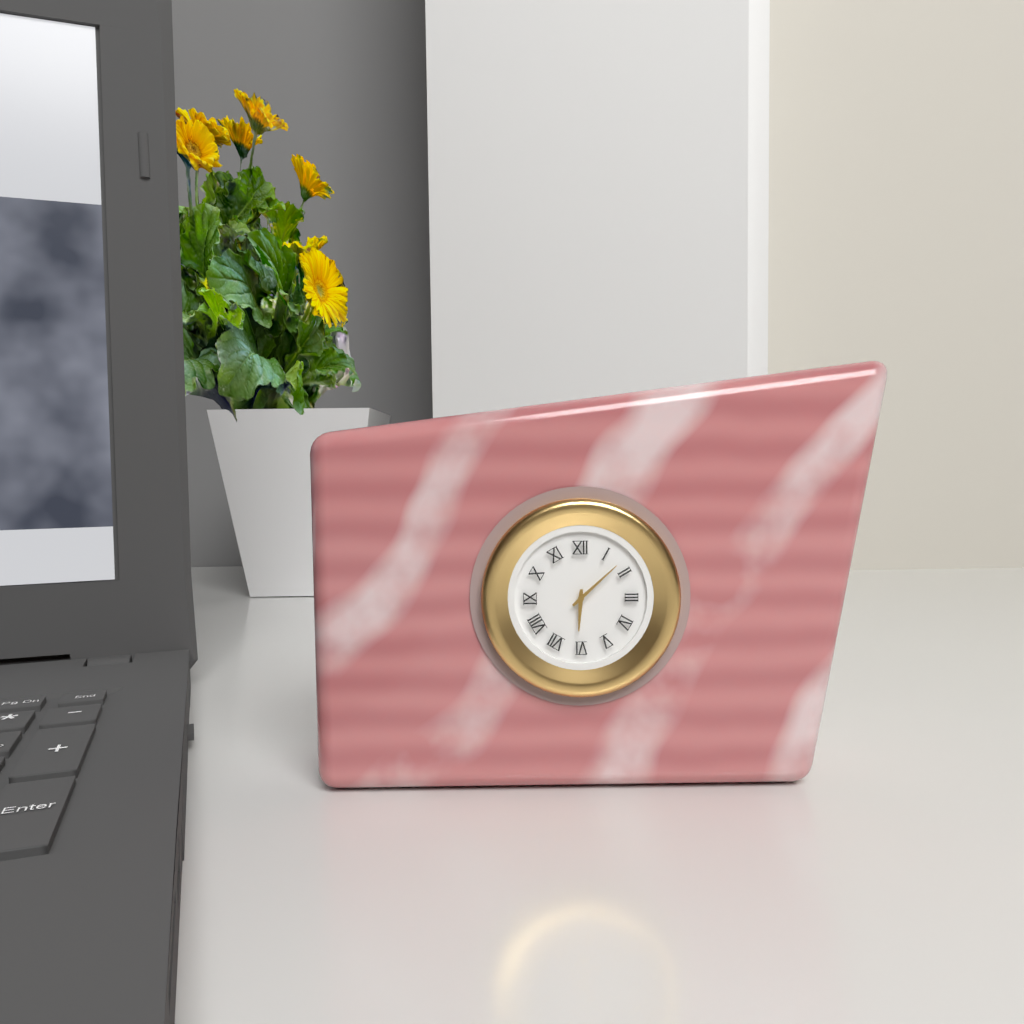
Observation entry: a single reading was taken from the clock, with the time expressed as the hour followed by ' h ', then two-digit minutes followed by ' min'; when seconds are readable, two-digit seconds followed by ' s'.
6 h 08 min
